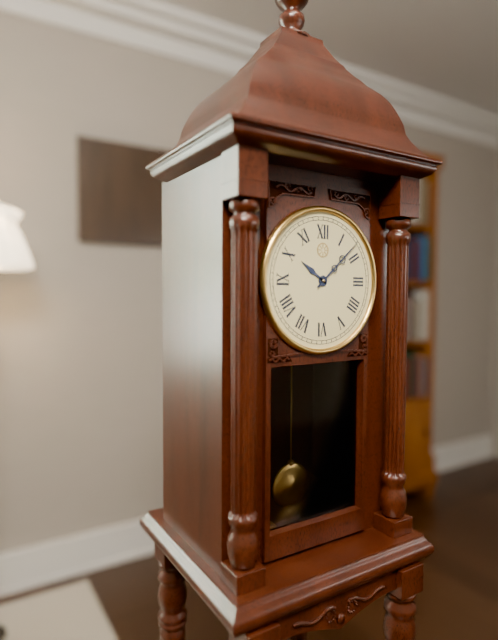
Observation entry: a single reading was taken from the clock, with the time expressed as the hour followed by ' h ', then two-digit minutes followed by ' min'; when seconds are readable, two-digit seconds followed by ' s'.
10 h 08 min
